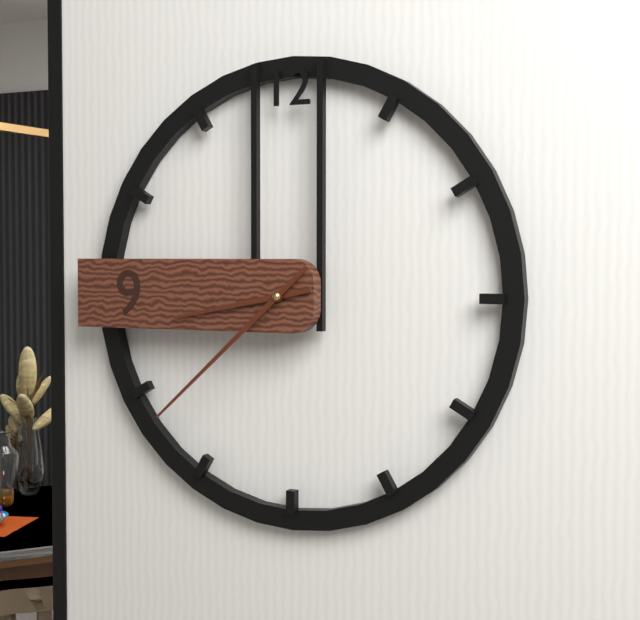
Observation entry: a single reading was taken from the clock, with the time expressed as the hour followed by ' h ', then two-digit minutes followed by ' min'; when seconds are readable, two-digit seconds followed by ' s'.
8 h 38 min
